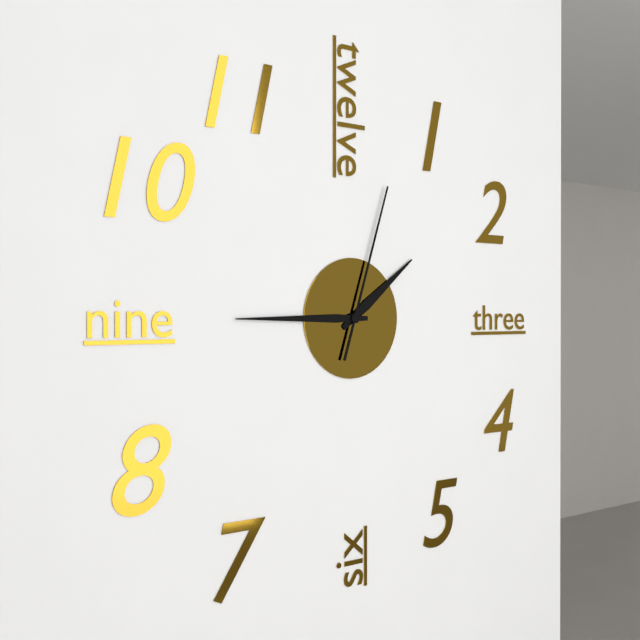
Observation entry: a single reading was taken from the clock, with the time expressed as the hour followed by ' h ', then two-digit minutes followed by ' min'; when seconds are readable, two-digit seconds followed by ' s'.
1 h 45 min 03 s
